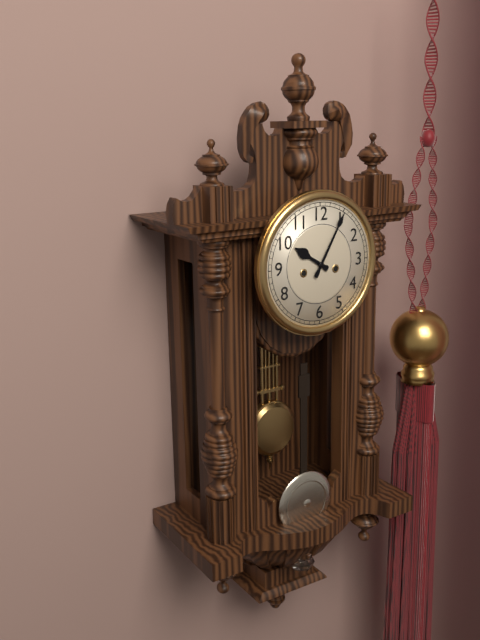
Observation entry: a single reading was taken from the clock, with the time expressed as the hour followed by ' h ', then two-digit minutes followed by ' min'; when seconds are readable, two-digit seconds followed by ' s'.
10 h 05 min
